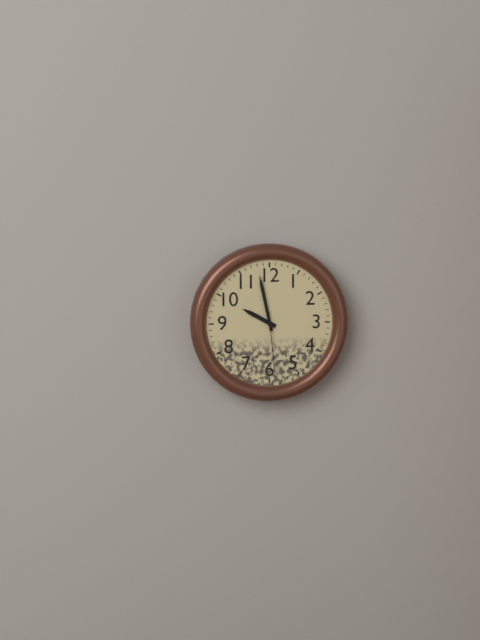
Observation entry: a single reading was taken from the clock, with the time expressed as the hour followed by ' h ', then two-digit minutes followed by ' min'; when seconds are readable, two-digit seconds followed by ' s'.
9 h 58 min 29 s
